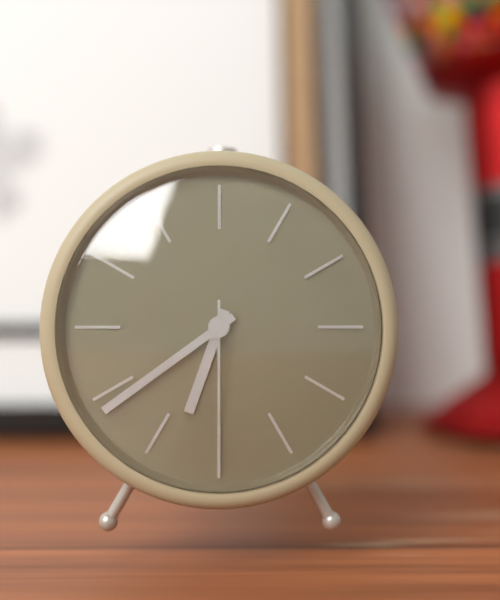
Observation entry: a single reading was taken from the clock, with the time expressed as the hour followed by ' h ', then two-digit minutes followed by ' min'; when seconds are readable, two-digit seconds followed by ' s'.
6 h 39 min 30 s
